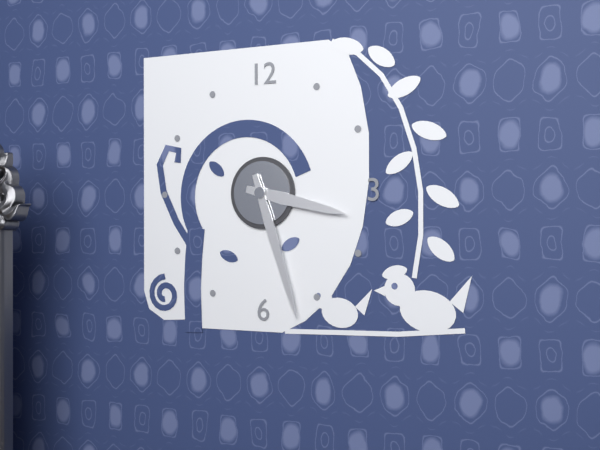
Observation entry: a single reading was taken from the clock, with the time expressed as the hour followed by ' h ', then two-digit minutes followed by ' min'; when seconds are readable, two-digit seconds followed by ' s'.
3 h 27 min
